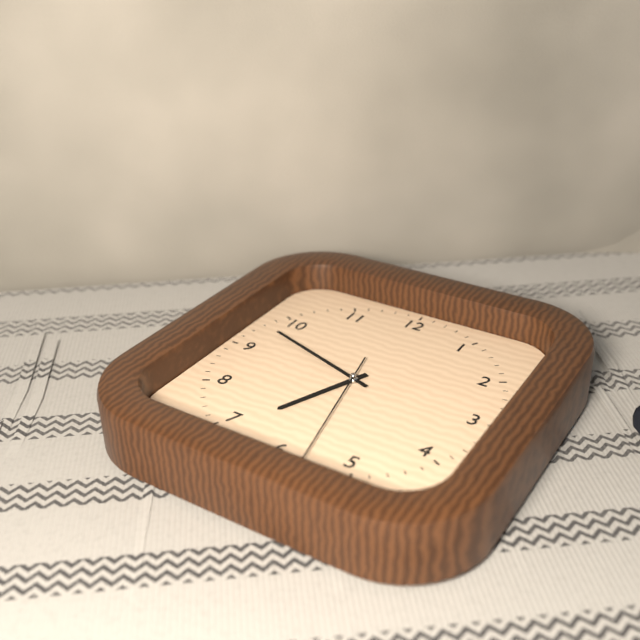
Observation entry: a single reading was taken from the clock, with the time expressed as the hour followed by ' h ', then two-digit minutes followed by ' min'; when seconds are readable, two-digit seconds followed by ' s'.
6 h 48 min 28 s
